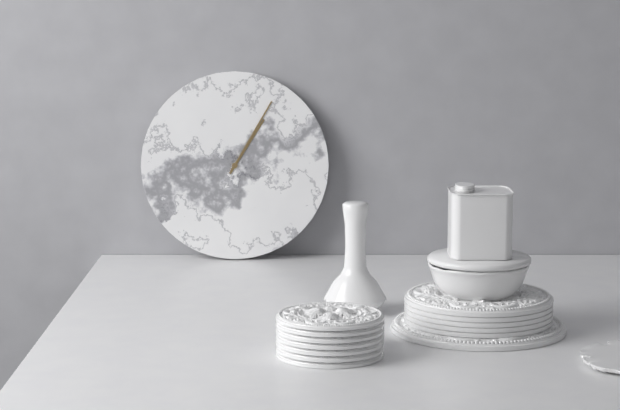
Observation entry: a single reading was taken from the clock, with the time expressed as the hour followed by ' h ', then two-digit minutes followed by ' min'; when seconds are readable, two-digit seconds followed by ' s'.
1 h 05 min
